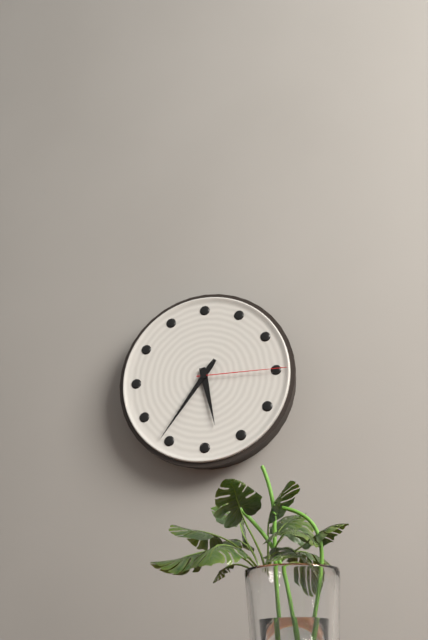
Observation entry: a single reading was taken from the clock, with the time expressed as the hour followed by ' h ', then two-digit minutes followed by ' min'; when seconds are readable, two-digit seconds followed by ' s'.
5 h 36 min 15 s
